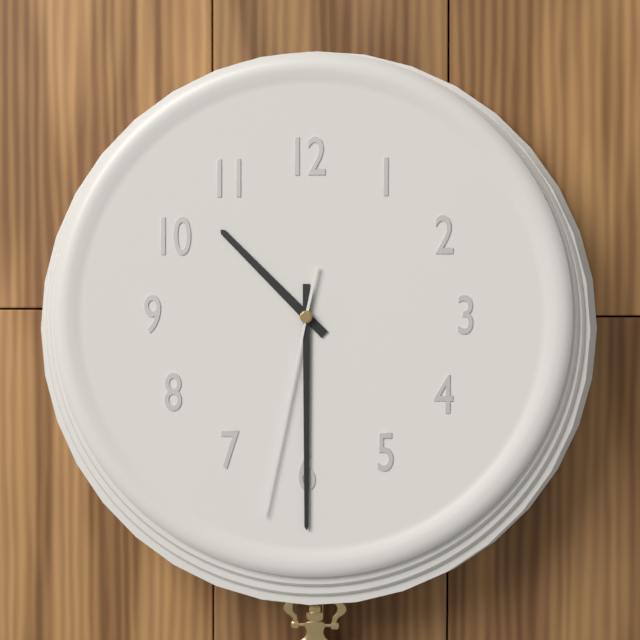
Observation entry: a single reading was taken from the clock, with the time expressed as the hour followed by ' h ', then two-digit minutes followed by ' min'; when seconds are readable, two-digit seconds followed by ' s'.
10 h 30 min 32 s
